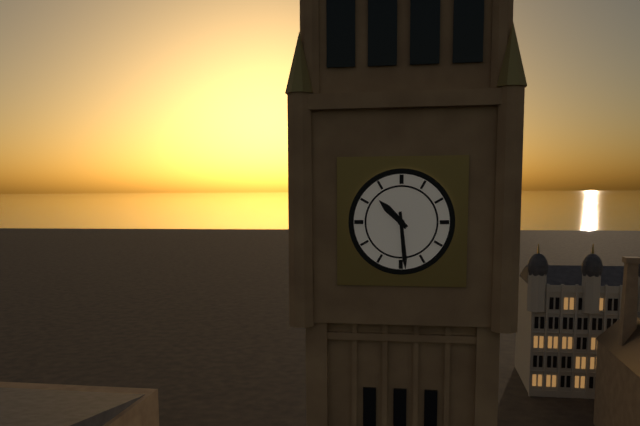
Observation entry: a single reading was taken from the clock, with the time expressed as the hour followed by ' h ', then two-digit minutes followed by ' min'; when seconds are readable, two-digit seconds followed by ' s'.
10 h 29 min
